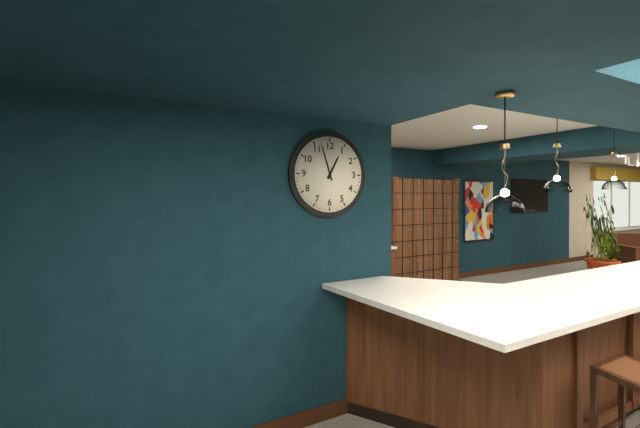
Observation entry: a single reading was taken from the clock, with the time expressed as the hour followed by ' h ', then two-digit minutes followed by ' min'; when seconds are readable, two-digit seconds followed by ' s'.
12 h 57 min
